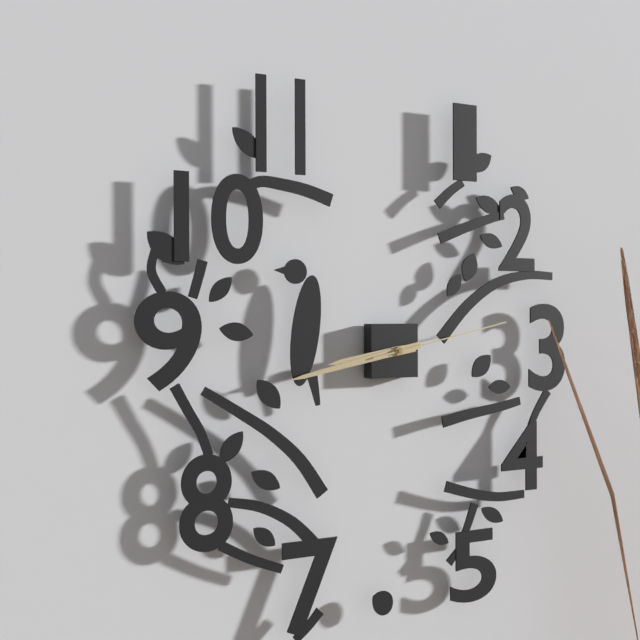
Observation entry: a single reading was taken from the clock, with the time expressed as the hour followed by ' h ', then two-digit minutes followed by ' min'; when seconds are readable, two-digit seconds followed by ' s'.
8 h 43 min 13 s
